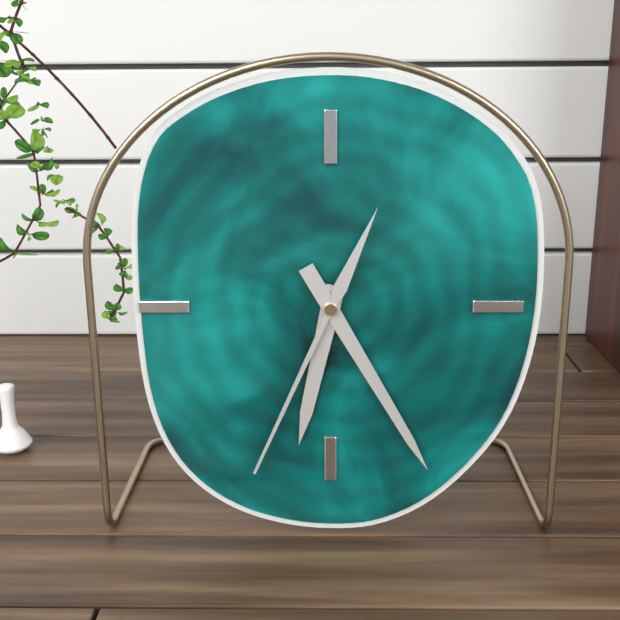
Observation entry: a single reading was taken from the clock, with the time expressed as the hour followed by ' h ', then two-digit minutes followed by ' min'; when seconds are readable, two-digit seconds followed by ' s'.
6 h 25 min 34 s
